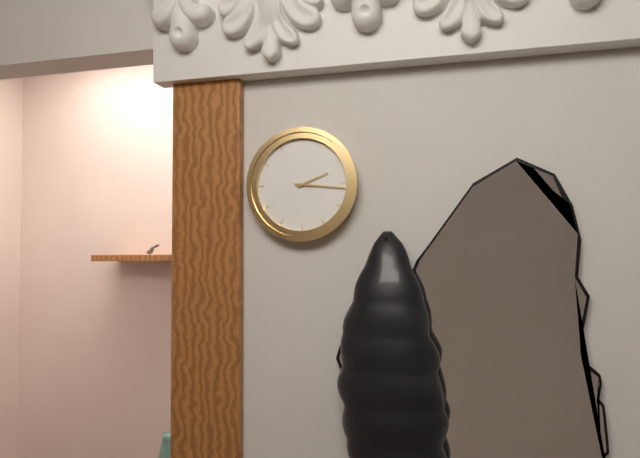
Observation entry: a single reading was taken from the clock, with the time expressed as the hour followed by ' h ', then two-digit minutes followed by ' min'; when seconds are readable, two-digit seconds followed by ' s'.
2 h 16 min
